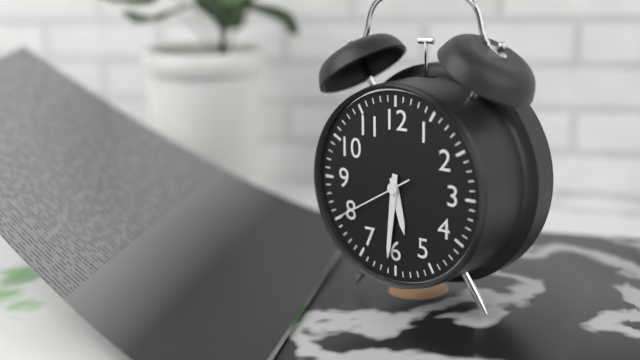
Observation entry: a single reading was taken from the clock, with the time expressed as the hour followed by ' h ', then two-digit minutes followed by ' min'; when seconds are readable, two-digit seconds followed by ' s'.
5 h 31 min 40 s
